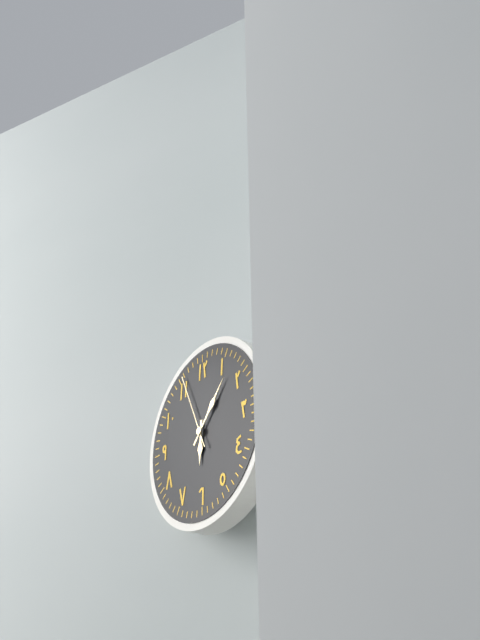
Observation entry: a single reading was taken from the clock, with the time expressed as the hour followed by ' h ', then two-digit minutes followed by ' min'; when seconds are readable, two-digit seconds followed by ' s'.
6 h 07 min 56 s
